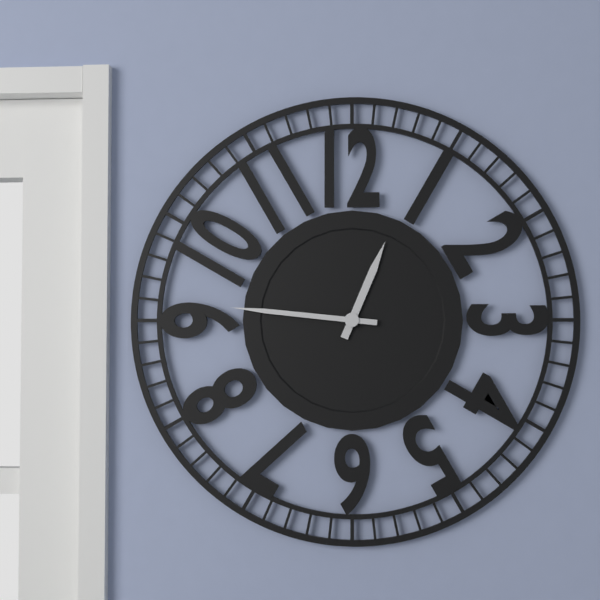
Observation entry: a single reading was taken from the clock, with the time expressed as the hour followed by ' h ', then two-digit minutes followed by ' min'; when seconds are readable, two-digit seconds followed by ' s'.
12 h 46 min
